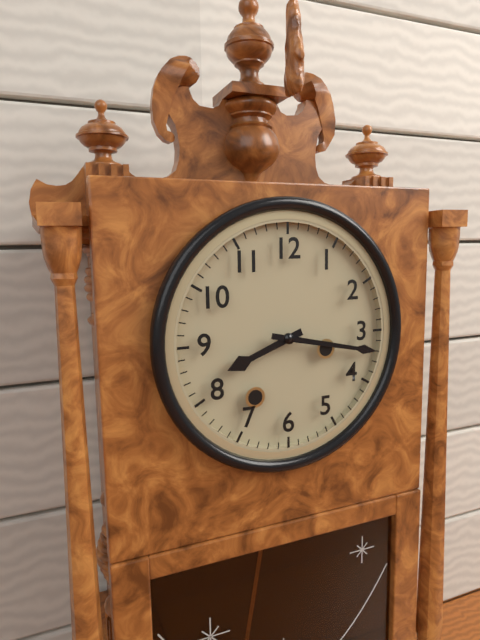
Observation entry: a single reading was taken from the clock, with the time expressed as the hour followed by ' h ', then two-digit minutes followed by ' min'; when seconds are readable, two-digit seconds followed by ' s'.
8 h 17 min
